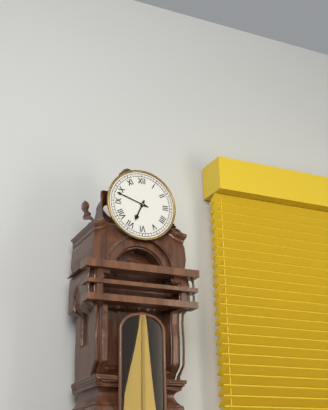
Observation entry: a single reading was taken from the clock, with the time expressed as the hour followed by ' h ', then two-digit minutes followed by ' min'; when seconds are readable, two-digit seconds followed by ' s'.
6 h 48 min
